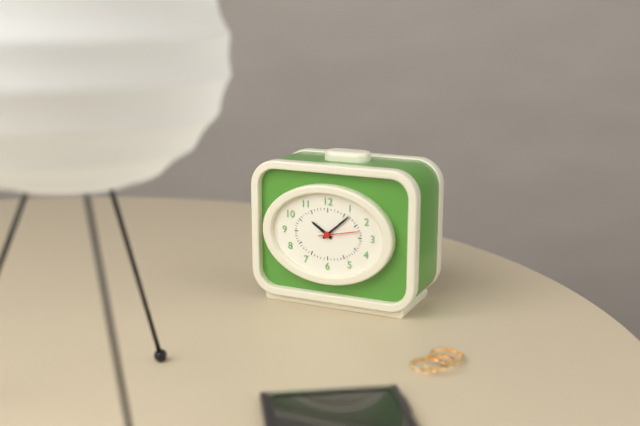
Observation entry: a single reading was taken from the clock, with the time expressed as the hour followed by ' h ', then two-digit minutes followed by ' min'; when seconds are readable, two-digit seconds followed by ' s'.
10 h 08 min
